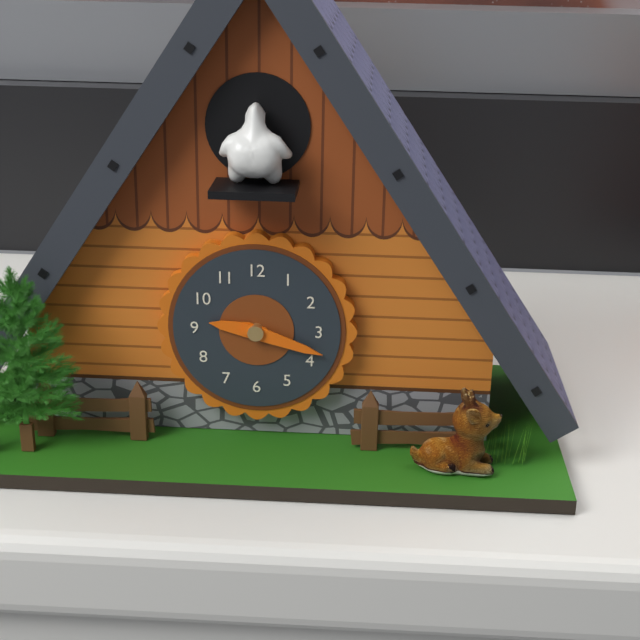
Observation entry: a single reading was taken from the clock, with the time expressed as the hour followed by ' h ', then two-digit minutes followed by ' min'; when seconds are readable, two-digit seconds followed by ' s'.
9 h 18 min
